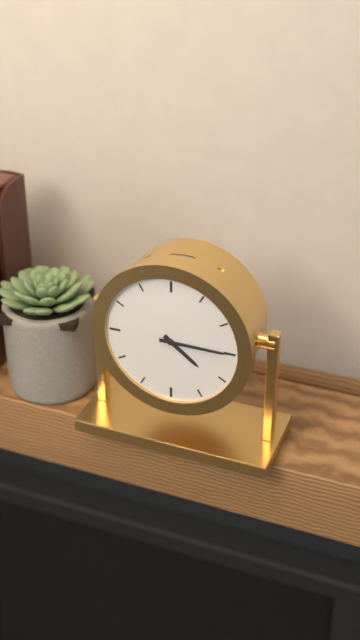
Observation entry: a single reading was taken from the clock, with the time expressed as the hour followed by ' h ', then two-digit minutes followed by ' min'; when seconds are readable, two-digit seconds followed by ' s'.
4 h 15 min
